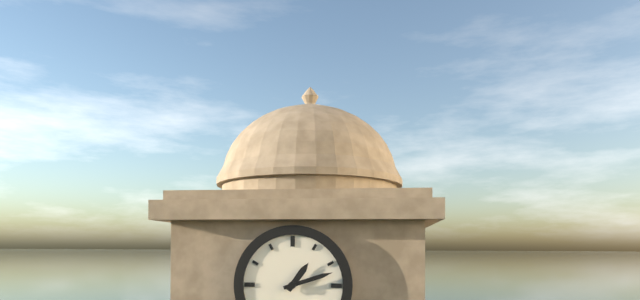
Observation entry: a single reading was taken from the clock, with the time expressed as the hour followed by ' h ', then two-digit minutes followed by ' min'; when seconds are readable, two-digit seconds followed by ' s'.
1 h 12 min
